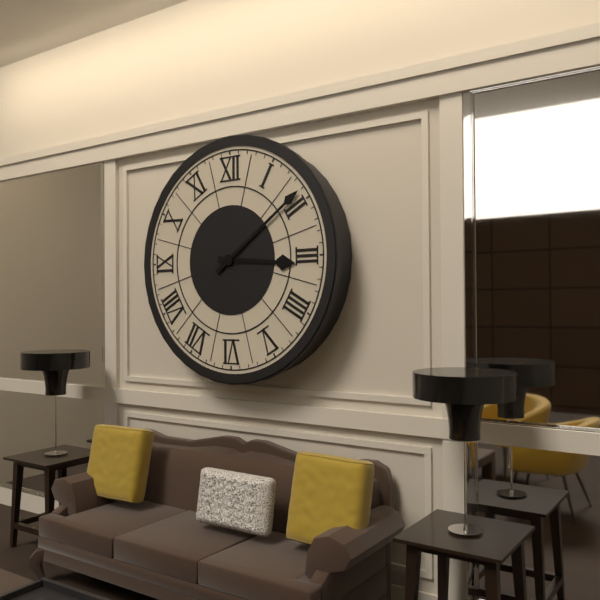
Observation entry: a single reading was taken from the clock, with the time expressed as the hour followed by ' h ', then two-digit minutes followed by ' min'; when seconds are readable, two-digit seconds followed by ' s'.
3 h 09 min
